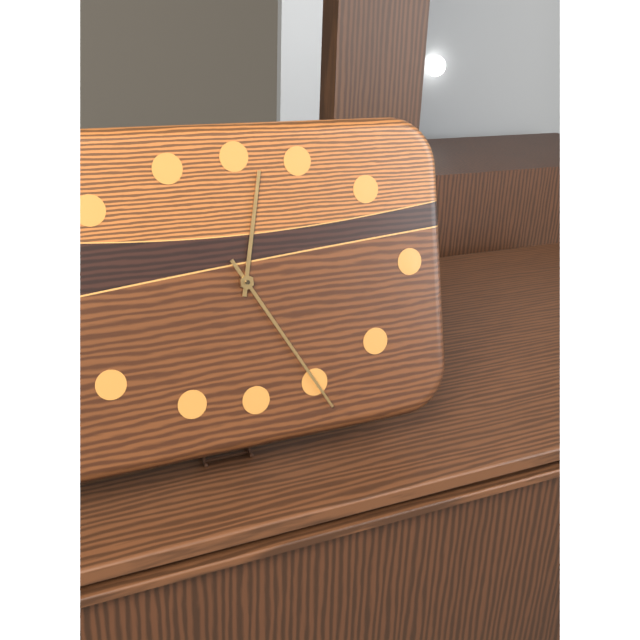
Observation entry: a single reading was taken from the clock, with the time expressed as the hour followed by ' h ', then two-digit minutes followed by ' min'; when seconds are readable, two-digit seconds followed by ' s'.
12 h 25 min
